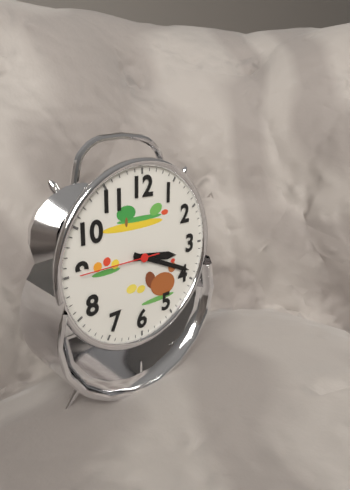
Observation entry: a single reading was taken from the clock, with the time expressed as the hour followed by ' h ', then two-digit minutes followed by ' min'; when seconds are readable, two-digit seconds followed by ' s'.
3 h 19 min 45 s
